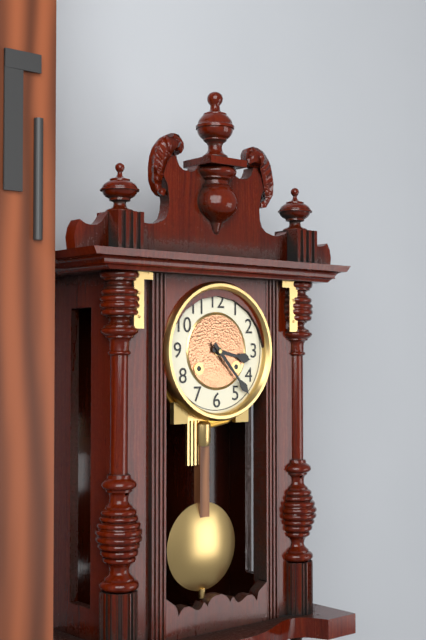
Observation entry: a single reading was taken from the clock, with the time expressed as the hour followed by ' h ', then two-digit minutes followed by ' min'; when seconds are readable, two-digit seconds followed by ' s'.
3 h 23 min
